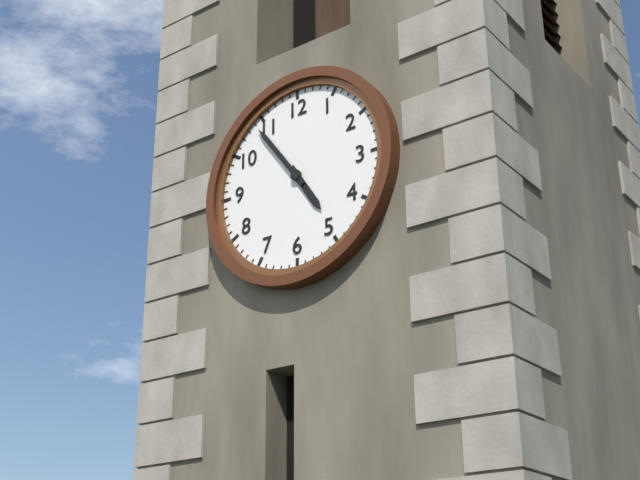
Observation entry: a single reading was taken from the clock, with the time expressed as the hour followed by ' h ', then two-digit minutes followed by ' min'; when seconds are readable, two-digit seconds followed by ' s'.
4 h 54 min
